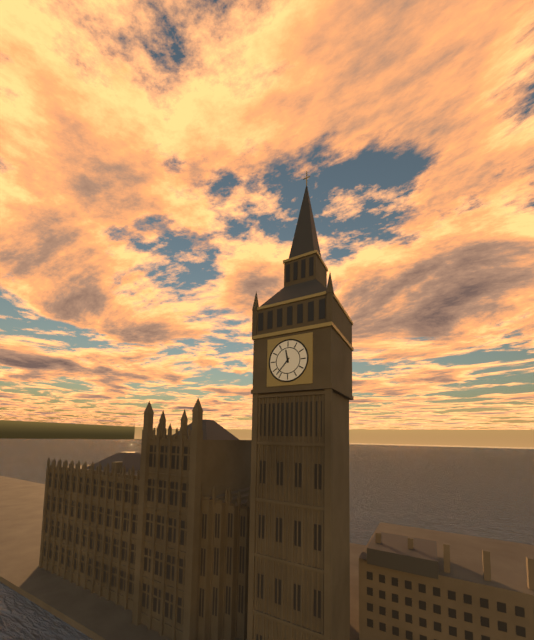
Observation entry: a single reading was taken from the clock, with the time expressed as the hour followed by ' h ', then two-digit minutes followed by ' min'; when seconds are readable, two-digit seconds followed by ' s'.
11 h 37 min
